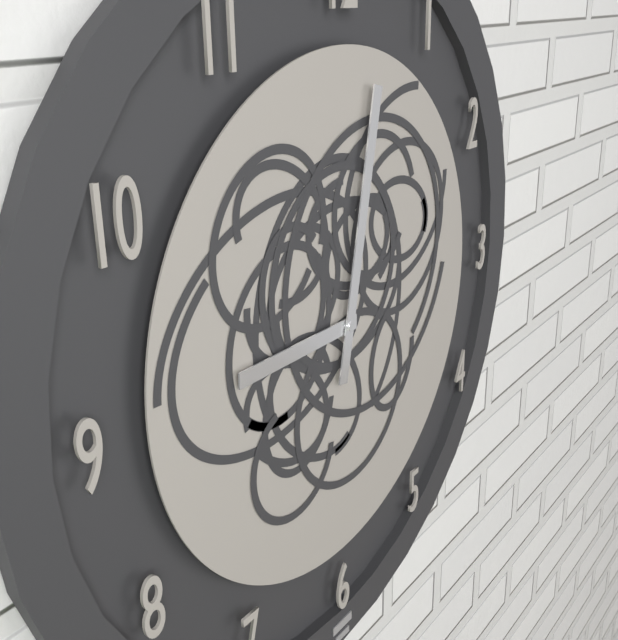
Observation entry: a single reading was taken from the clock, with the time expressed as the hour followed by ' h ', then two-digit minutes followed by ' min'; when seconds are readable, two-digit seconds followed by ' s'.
9 h 02 min
